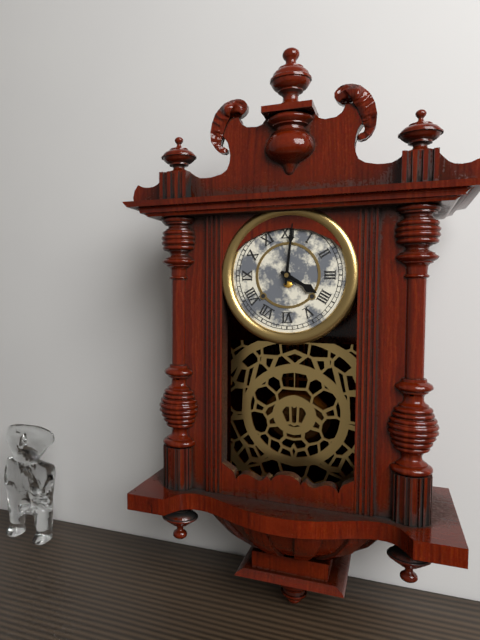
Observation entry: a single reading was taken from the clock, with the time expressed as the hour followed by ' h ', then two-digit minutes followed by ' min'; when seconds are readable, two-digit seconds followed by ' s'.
4 h 01 min
